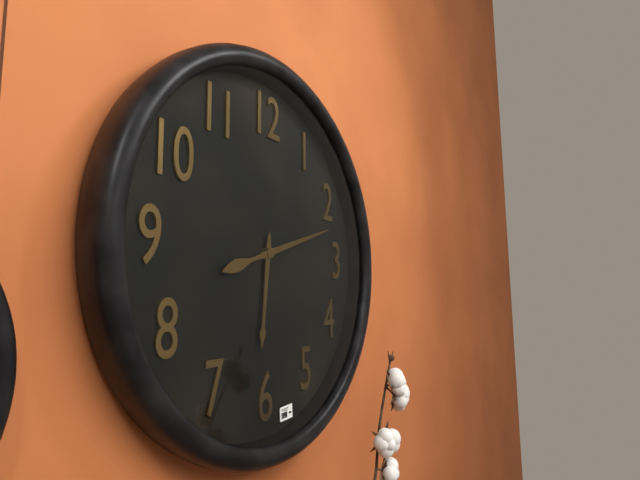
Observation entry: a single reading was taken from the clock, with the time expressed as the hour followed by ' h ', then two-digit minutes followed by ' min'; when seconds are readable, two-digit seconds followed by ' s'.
6 h 12 min
